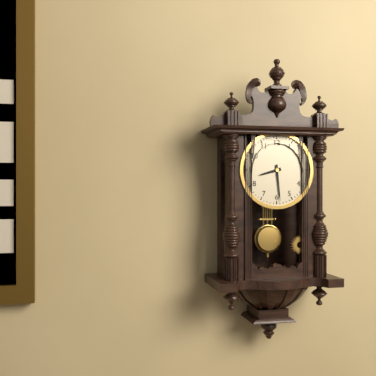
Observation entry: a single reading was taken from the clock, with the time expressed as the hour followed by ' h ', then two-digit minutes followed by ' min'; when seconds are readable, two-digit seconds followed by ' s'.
8 h 29 min
